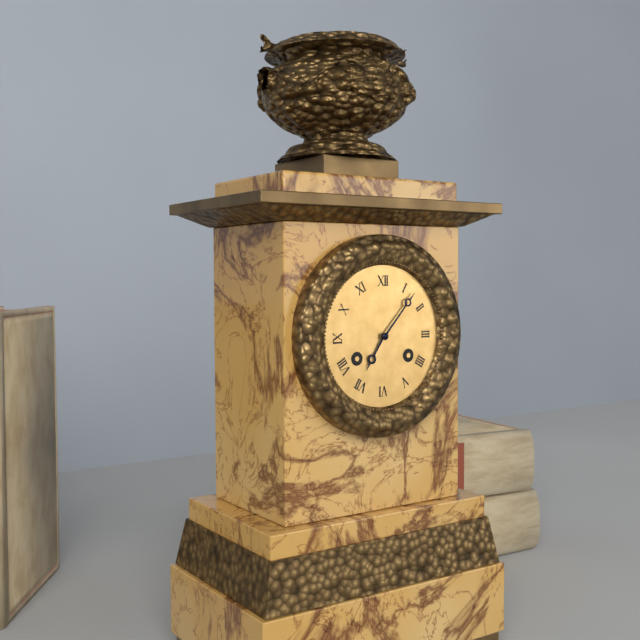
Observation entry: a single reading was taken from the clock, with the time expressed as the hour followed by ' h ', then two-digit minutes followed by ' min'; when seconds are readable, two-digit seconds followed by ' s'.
7 h 07 min
